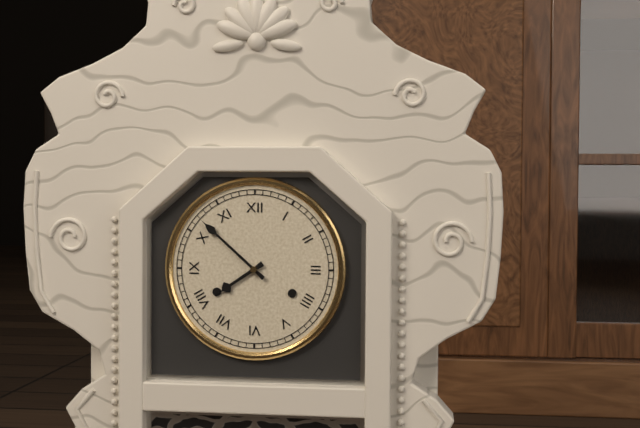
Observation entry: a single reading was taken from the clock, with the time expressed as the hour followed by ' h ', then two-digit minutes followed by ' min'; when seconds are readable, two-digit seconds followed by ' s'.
7 h 52 min
